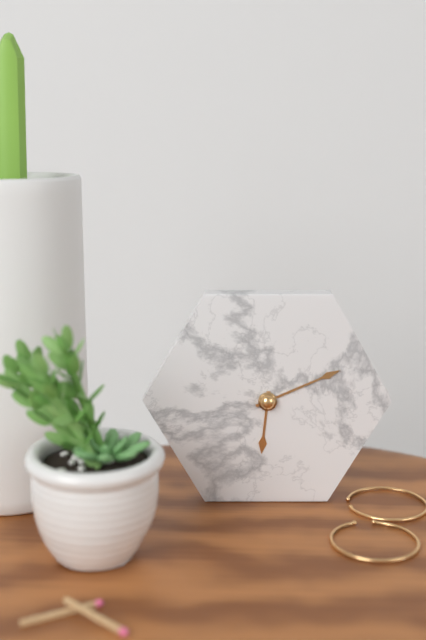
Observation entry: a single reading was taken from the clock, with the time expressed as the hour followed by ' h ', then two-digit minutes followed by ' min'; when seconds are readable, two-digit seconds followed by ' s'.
6 h 11 min
